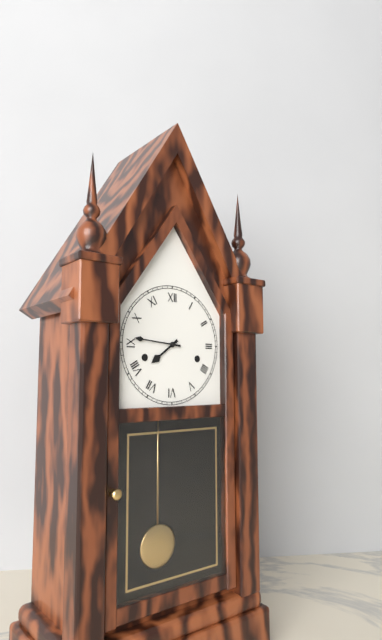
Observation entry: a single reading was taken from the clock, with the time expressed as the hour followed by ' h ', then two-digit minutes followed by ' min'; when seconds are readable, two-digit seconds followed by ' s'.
7 h 46 min
